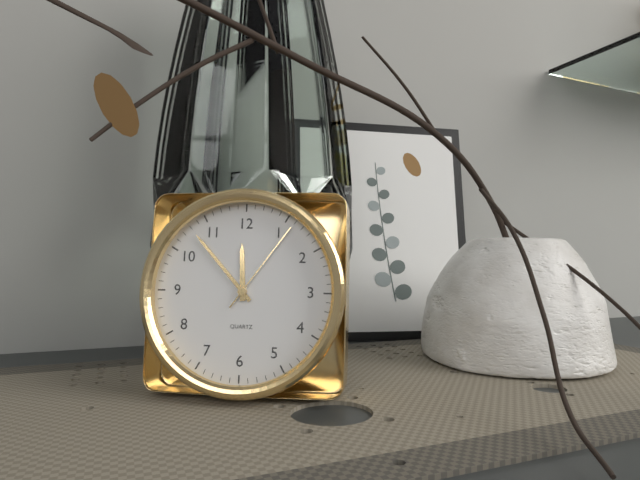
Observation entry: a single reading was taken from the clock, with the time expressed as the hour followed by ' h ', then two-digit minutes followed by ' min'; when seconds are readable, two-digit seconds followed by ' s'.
11 h 53 min 06 s
